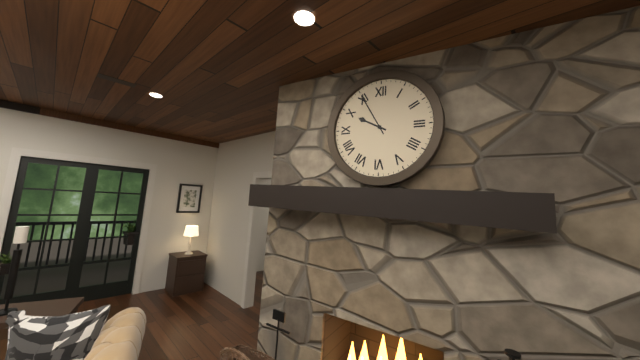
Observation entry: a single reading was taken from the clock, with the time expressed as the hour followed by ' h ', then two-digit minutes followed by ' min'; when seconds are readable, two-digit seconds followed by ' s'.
9 h 55 min
